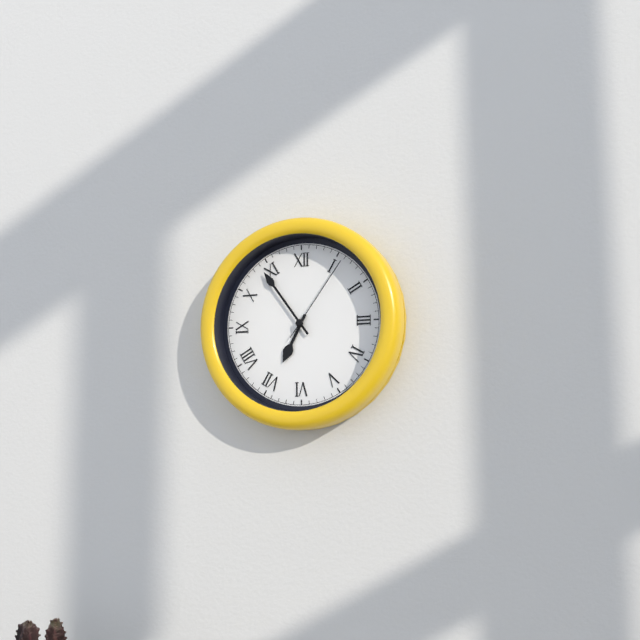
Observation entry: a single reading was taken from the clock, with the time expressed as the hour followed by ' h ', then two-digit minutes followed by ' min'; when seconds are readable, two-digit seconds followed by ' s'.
6 h 54 min 06 s
